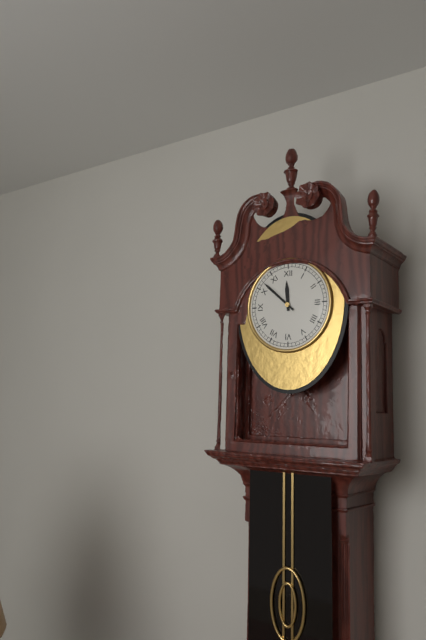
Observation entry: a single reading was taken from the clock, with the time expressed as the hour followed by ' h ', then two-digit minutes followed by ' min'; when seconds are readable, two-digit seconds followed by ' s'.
11 h 52 min
